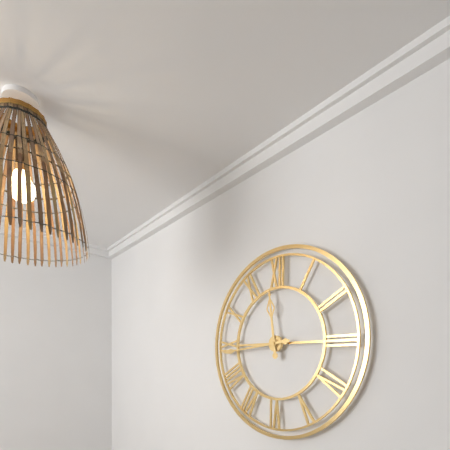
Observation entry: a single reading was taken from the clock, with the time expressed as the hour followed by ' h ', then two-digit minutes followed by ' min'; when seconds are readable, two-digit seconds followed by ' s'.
11 h 44 min
